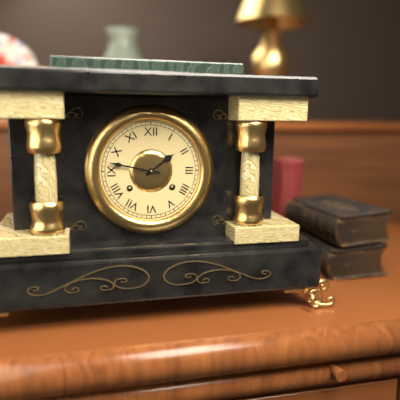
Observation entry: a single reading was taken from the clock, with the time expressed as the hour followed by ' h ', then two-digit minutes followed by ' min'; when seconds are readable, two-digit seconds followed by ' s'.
1 h 47 min
